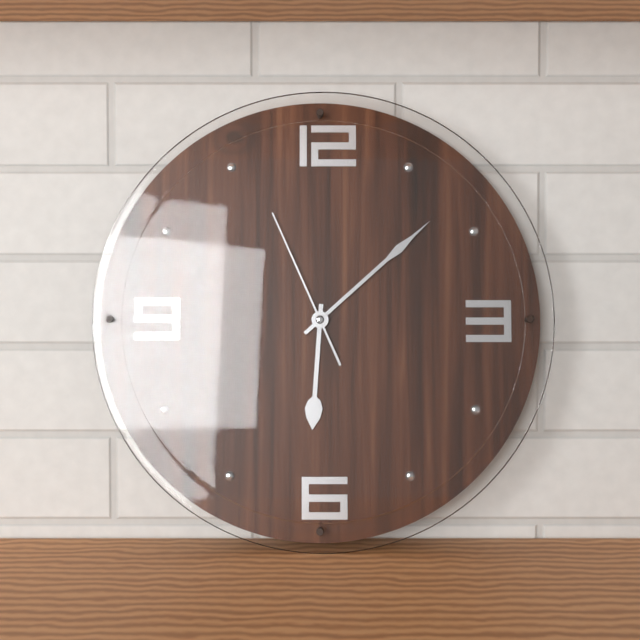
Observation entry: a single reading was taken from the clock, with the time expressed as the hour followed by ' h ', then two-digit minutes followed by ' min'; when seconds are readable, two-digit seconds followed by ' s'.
6 h 08 min 56 s
